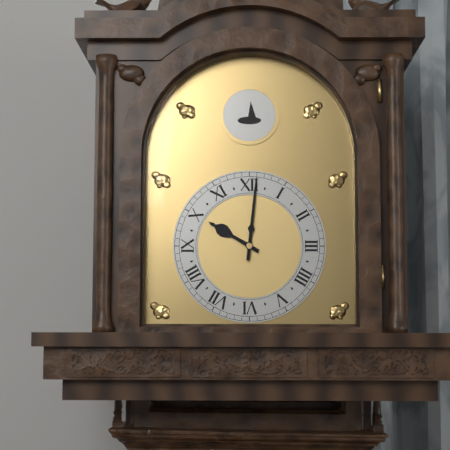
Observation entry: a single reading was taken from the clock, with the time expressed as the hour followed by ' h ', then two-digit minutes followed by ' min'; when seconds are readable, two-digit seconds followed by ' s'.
10 h 01 min
